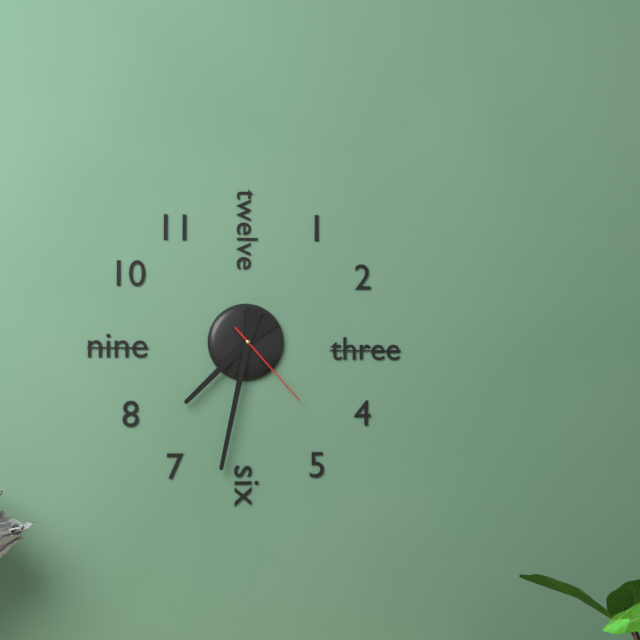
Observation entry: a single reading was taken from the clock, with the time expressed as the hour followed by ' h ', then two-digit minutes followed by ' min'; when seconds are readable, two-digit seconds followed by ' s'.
7 h 32 min 23 s
